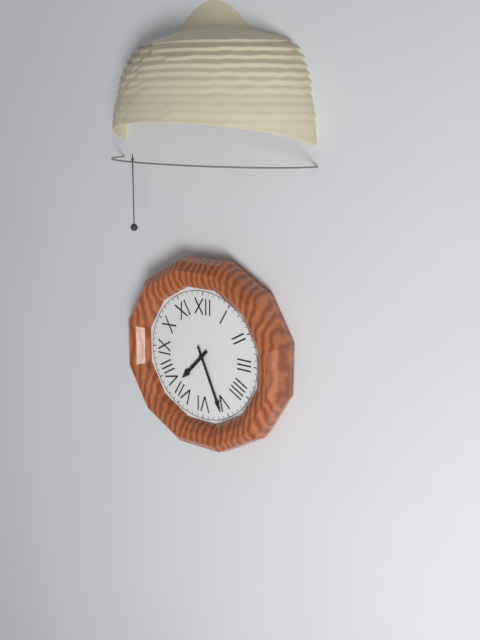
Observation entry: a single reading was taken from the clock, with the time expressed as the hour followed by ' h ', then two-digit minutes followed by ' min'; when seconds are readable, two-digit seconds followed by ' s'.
7 h 26 min
